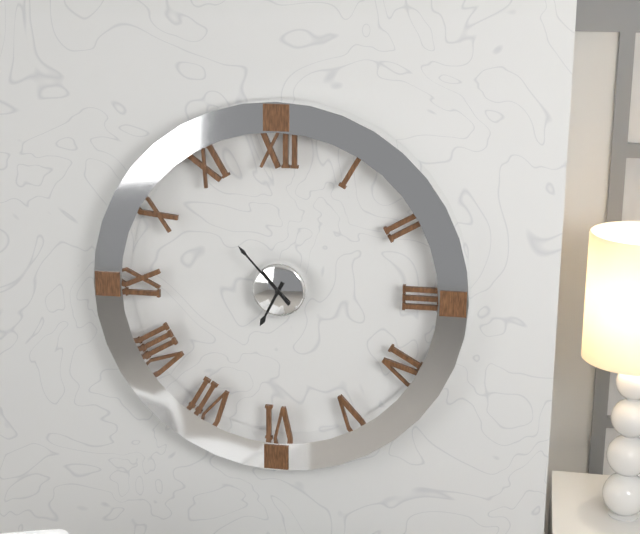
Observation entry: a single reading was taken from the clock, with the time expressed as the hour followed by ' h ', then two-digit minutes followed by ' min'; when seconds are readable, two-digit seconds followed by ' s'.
6 h 53 min
